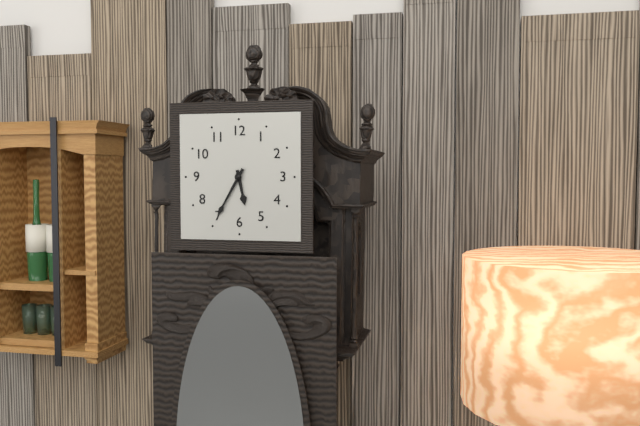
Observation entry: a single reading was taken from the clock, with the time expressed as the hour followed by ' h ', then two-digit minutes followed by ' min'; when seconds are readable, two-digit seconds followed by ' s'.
5 h 35 min
